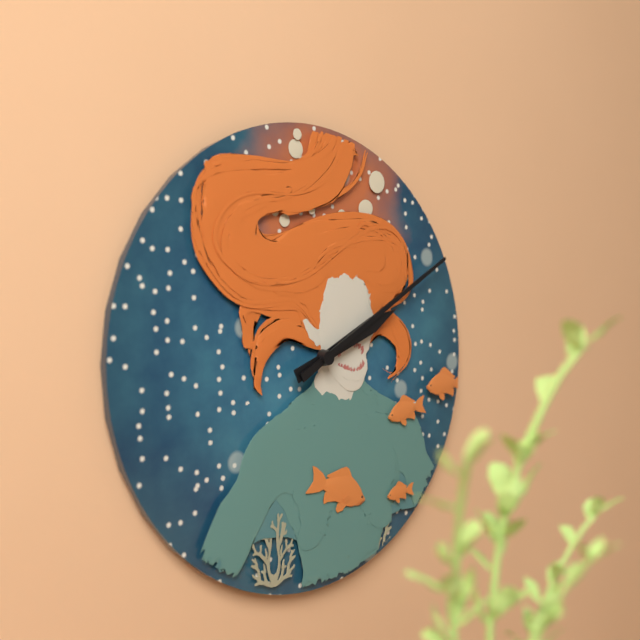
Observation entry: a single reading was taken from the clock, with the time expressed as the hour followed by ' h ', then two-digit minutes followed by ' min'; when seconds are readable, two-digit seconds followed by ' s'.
2 h 10 min
